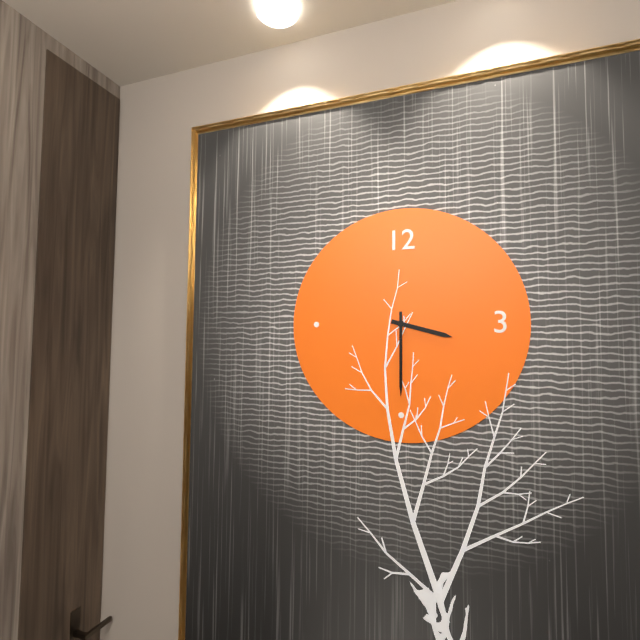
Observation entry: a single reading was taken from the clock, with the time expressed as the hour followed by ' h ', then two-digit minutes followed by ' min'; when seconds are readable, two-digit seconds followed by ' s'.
3 h 30 min
